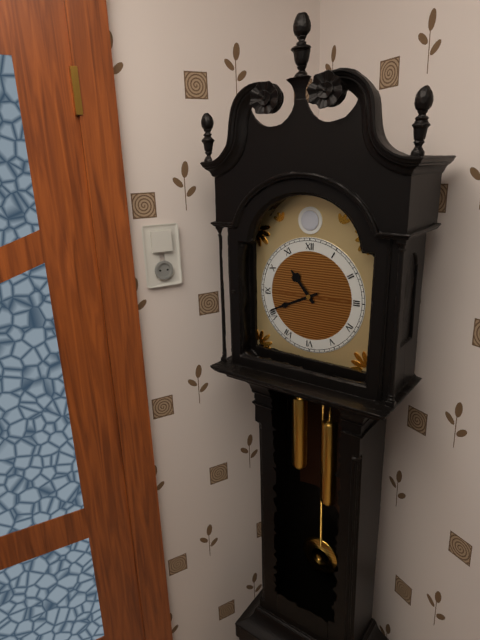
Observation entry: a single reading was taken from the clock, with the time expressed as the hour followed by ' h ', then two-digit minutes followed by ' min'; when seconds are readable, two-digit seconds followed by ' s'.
10 h 41 min
